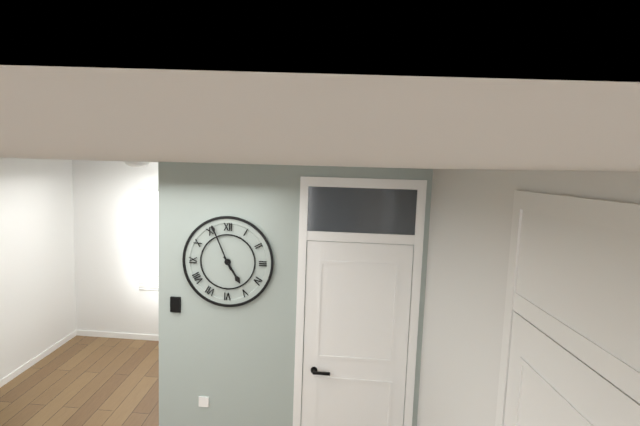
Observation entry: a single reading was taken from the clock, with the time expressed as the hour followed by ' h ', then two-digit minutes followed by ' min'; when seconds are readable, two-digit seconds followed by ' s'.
4 h 56 min
